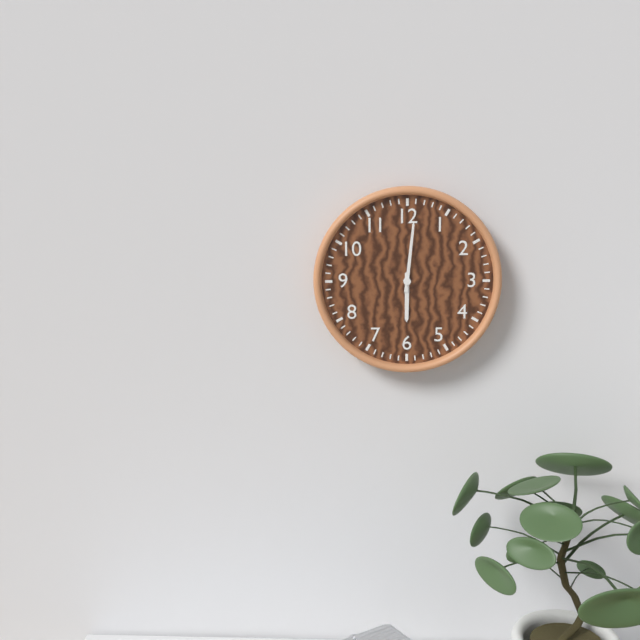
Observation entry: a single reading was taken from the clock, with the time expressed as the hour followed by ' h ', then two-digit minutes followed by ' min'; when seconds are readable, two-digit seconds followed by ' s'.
6 h 01 min
